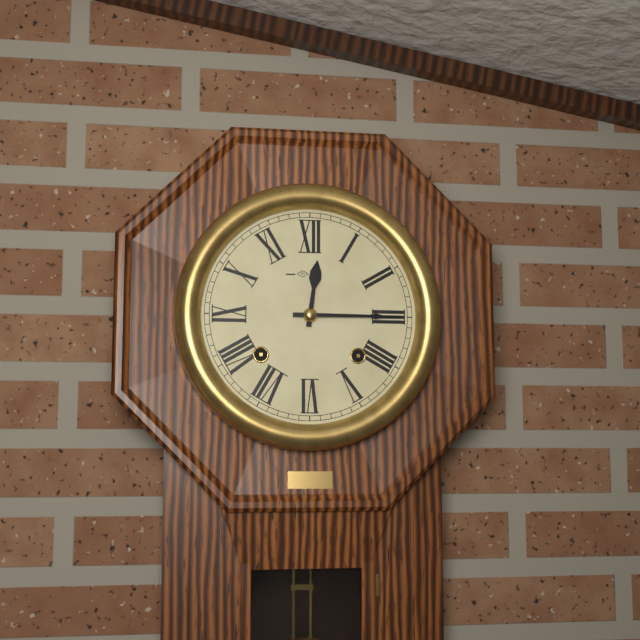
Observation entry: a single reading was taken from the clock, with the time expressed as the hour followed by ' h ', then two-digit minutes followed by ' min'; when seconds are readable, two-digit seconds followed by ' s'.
12 h 15 min
